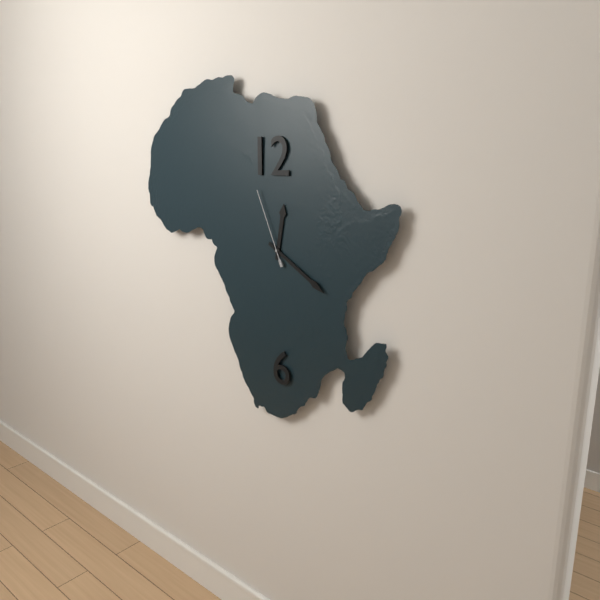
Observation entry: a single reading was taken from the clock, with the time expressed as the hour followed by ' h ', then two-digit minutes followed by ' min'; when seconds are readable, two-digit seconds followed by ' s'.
12 h 20 min 56 s
